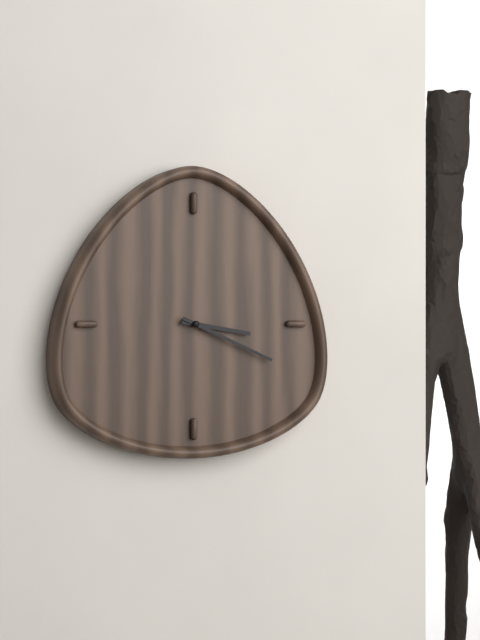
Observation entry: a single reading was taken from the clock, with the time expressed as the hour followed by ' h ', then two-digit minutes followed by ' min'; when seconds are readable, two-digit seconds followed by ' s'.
3 h 19 min
